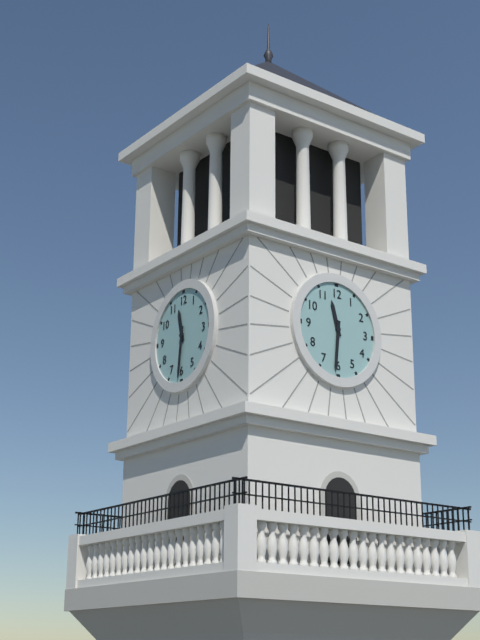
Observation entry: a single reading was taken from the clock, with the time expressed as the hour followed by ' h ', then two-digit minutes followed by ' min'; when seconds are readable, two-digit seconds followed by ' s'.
11 h 31 min
